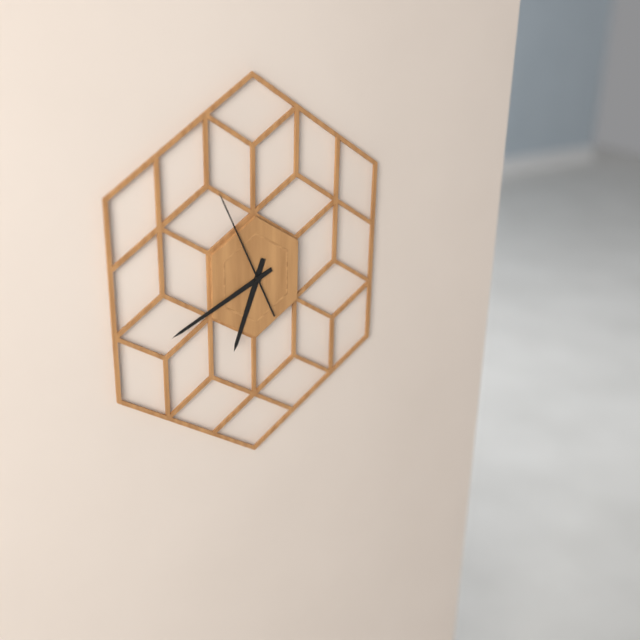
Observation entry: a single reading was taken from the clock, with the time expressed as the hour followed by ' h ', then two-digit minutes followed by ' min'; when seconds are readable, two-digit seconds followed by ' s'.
6 h 41 min 56 s
